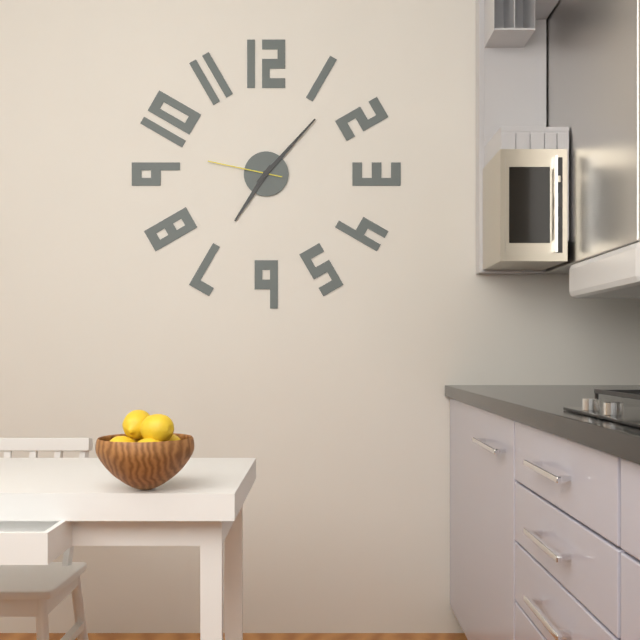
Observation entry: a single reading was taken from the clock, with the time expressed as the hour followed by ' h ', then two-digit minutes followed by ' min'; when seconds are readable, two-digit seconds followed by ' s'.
7 h 07 min 47 s
